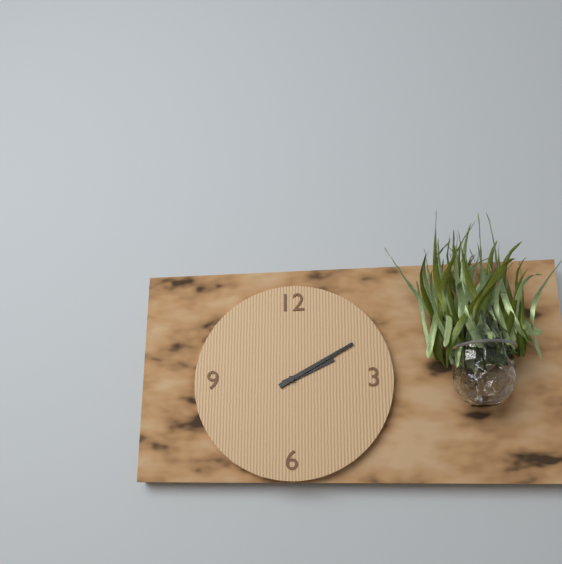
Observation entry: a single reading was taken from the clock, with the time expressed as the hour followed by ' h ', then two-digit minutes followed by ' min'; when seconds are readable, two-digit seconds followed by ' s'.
2 h 10 min
